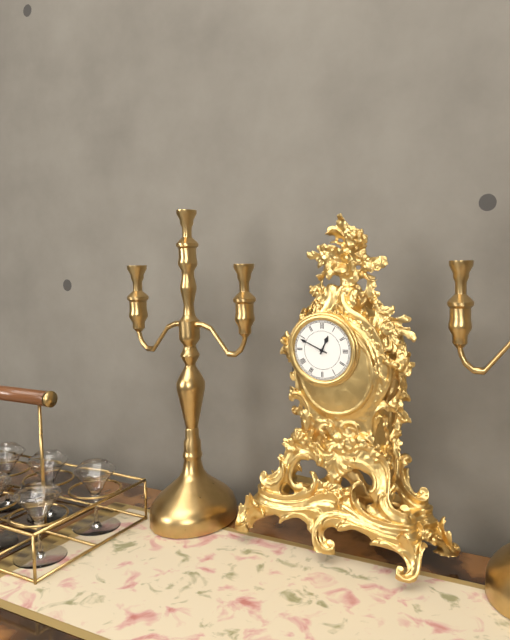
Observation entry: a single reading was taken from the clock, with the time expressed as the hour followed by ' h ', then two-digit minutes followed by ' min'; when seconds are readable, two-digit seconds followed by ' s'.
12 h 49 min
